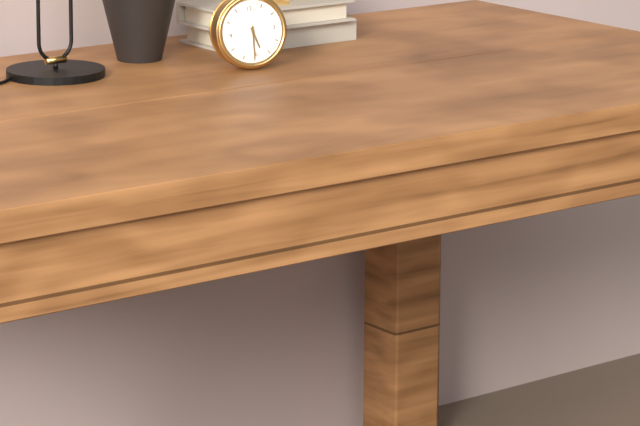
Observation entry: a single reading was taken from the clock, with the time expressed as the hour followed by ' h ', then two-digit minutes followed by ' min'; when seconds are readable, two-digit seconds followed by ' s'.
5 h 31 min
